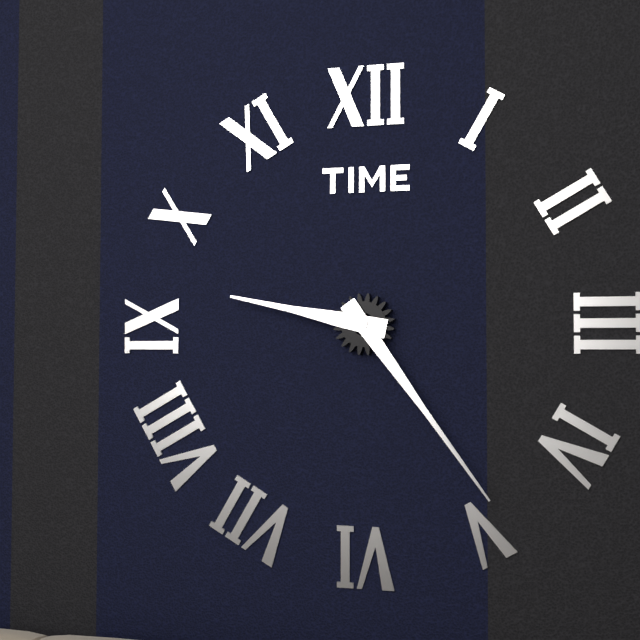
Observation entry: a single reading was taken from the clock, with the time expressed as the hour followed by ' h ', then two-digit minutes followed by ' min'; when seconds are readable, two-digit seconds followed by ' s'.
9 h 24 min
